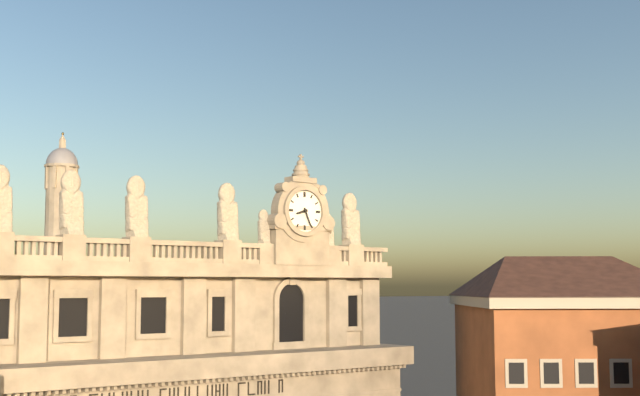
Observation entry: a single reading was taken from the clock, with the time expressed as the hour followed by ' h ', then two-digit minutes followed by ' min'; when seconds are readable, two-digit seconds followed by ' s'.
8 h 26 min
